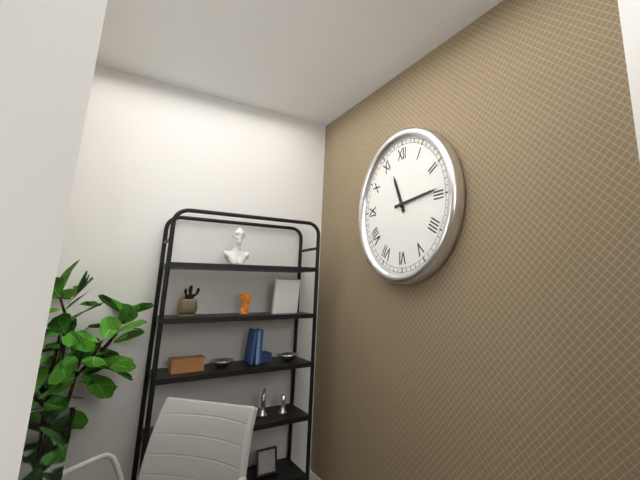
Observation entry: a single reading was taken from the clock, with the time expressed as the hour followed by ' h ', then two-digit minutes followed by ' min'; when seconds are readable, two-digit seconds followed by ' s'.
11 h 14 min
